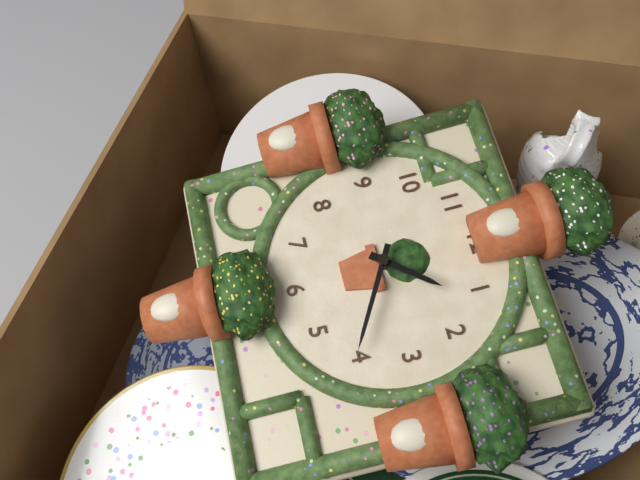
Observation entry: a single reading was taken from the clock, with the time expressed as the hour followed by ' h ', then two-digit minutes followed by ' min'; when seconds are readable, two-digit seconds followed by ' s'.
1 h 20 min
